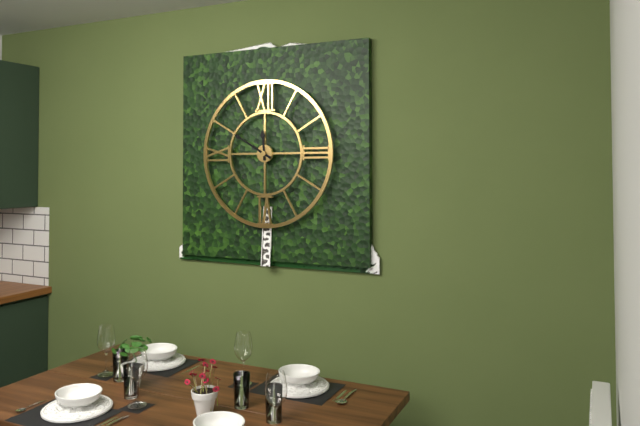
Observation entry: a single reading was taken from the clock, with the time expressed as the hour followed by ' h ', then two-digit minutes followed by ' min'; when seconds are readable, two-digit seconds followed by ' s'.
11 h 50 min
